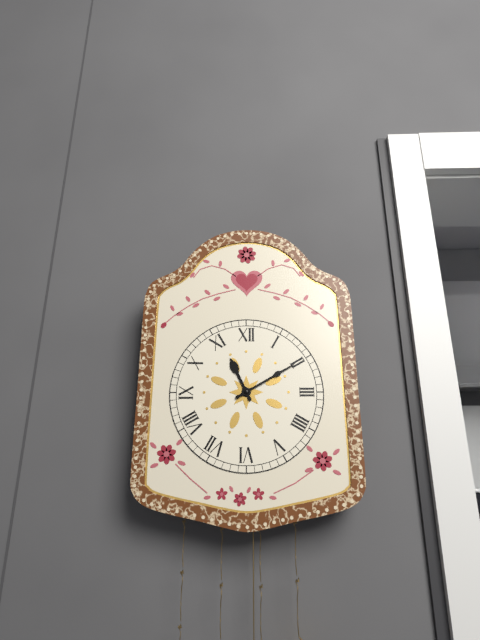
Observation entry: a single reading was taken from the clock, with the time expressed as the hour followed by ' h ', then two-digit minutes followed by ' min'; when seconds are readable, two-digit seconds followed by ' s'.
11 h 10 min
